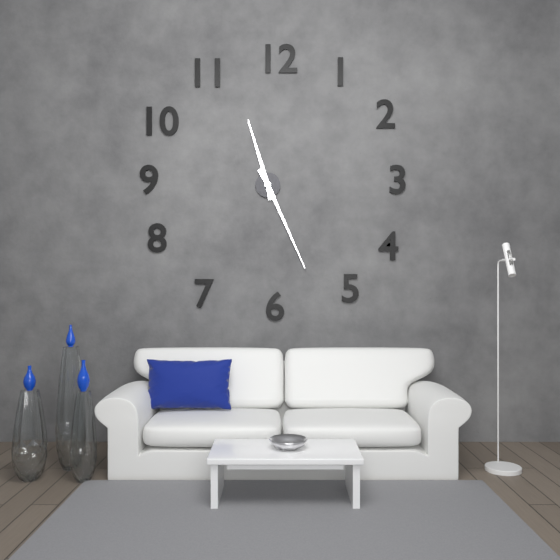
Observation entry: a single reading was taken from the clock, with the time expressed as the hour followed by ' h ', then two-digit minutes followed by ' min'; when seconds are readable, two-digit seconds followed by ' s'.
11 h 26 min
